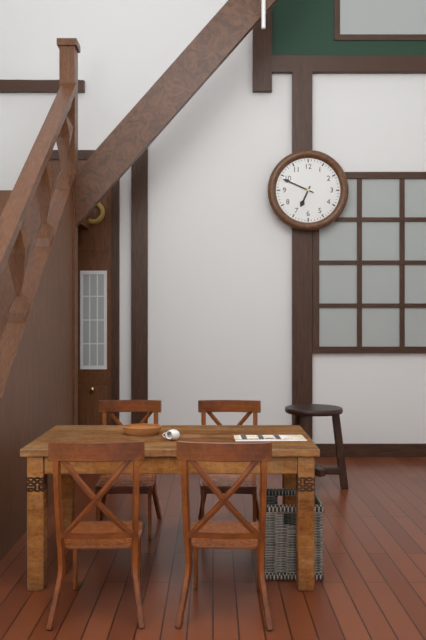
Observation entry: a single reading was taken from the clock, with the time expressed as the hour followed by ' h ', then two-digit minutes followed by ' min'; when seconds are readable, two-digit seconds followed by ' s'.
6 h 49 min
